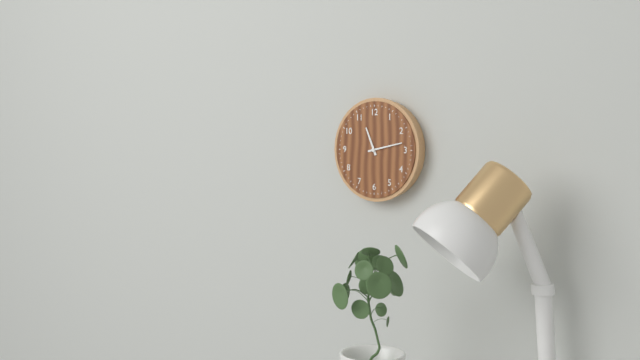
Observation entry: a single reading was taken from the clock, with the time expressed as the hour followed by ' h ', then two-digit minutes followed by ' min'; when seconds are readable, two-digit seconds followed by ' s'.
11 h 13 min
